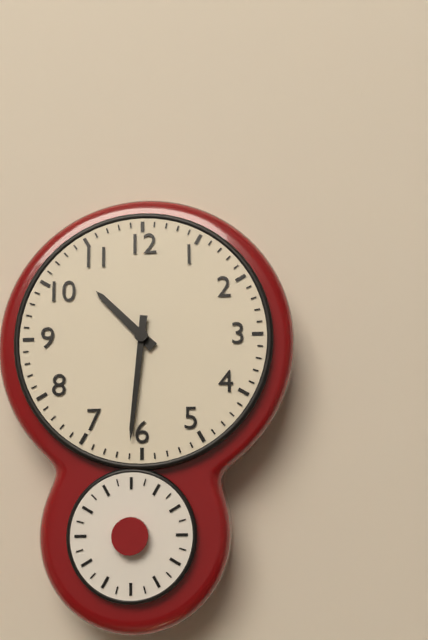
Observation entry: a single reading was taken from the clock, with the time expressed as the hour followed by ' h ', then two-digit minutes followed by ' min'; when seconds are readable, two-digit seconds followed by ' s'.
10 h 31 min
